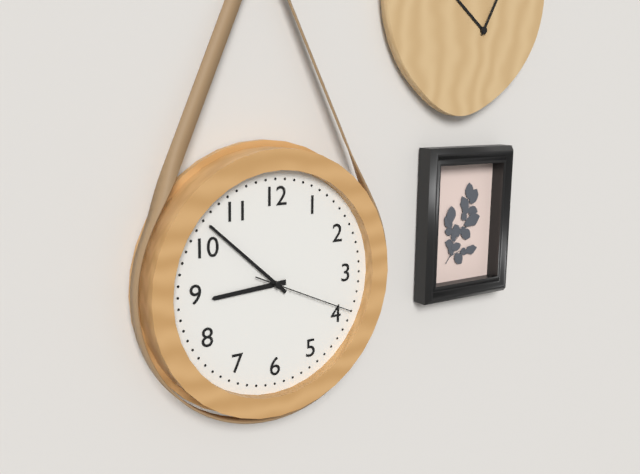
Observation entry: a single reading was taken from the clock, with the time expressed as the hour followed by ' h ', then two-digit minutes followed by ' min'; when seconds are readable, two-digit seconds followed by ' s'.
8 h 52 min 19 s
